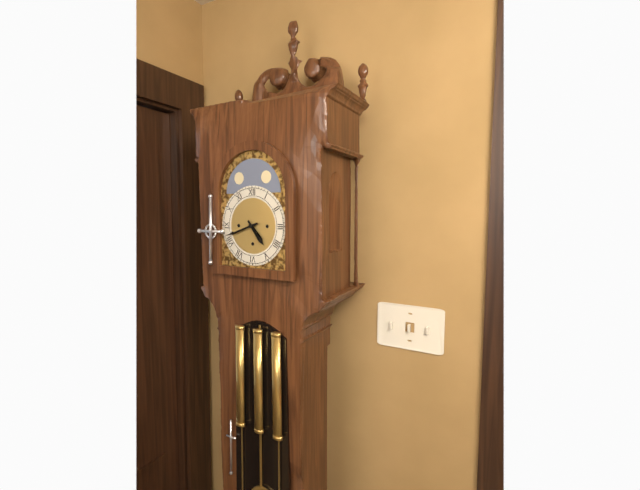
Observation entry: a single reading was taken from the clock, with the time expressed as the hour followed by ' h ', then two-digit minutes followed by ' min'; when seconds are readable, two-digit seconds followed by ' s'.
4 h 42 min
